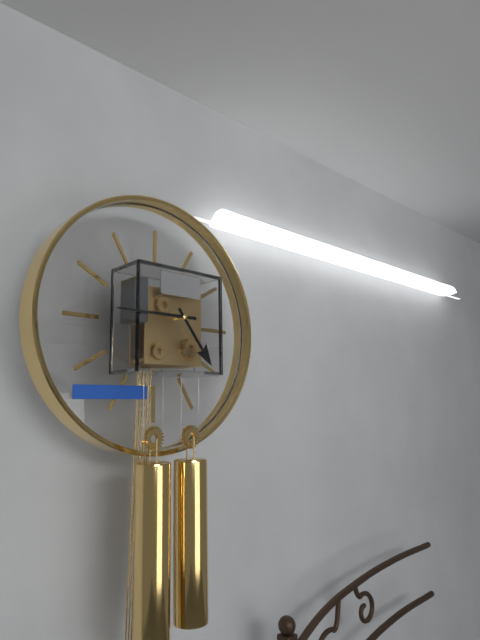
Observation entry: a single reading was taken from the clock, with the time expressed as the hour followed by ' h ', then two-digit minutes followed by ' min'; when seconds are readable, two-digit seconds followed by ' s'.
4 h 45 min
